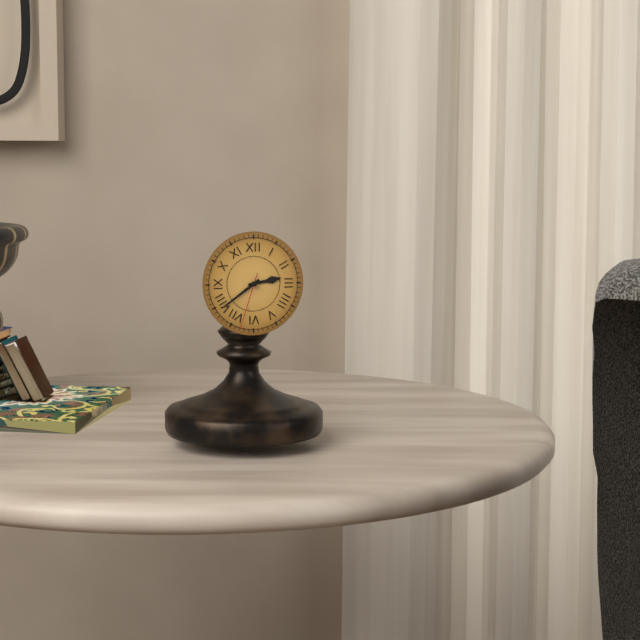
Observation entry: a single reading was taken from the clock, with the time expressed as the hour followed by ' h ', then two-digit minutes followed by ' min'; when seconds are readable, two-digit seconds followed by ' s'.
2 h 39 min 33 s
